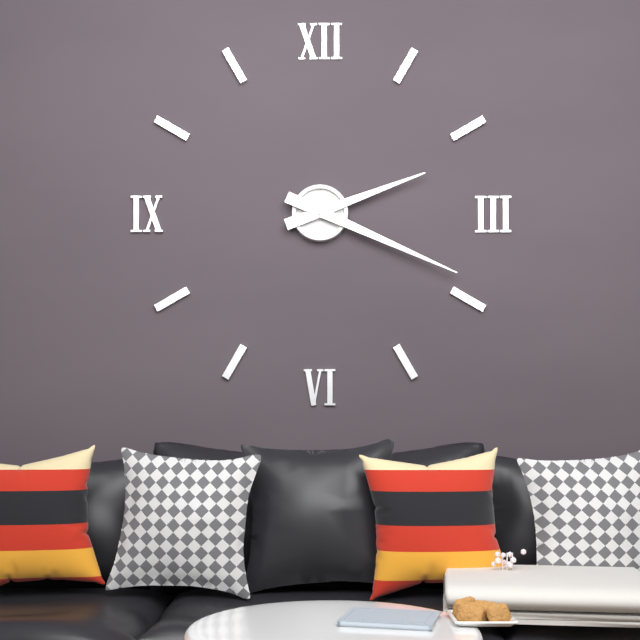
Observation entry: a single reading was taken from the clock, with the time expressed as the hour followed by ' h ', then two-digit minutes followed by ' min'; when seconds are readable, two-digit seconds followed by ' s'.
2 h 19 min
